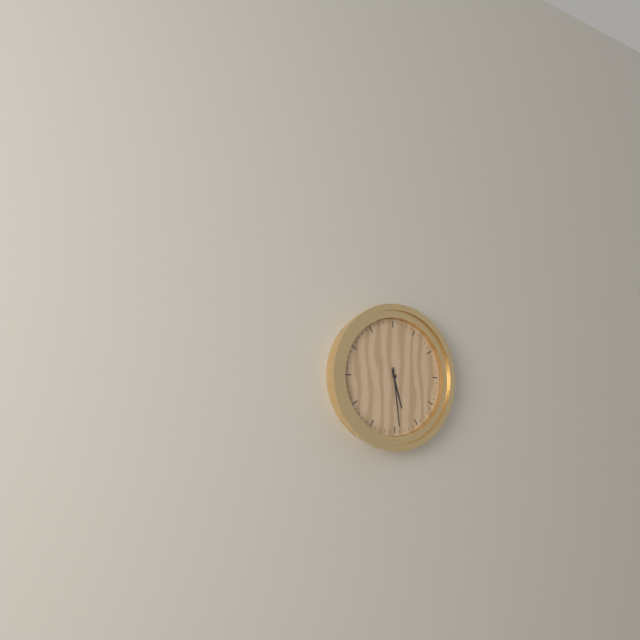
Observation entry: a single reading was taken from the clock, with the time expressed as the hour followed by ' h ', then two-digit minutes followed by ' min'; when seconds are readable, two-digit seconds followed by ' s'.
5 h 29 min
